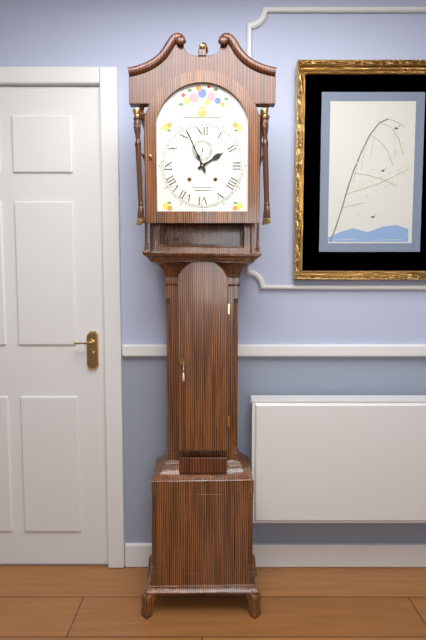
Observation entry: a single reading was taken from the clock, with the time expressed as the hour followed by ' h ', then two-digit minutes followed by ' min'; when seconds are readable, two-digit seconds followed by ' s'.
1 h 56 min
